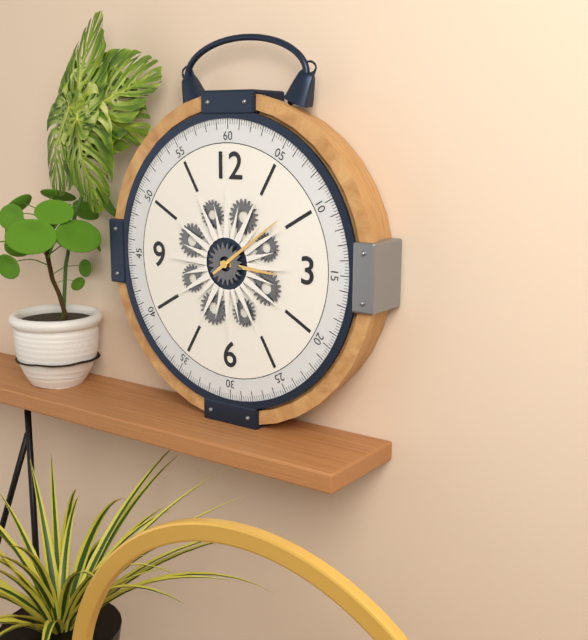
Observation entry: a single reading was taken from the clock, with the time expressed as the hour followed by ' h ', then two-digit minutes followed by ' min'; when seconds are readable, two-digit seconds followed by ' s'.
3 h 09 min
